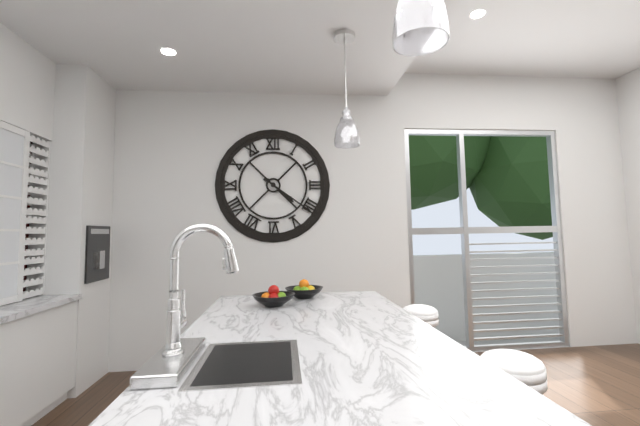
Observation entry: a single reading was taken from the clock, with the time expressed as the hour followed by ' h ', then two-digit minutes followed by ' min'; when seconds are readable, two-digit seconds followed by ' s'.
4 h 21 min
